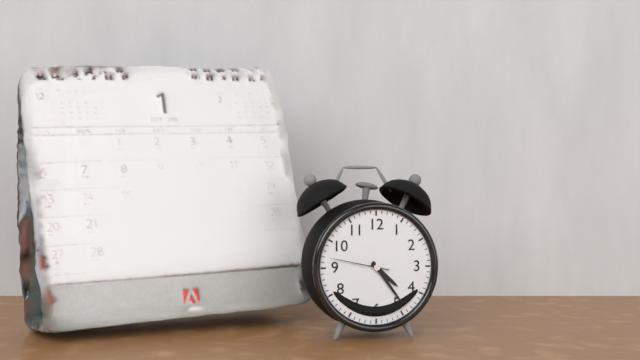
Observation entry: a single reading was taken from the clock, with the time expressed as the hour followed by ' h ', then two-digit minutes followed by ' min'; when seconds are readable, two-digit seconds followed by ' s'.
4 h 24 min 47 s
